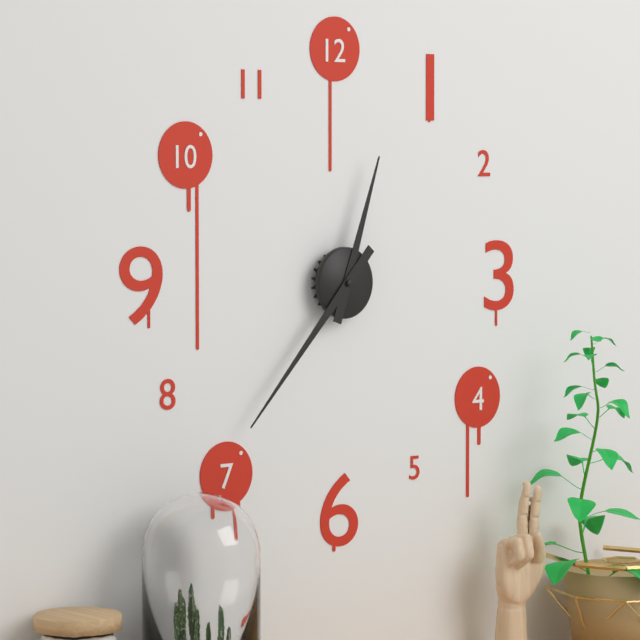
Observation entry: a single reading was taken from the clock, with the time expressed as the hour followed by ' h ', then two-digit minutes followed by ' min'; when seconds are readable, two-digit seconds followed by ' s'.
12 h 37 min
